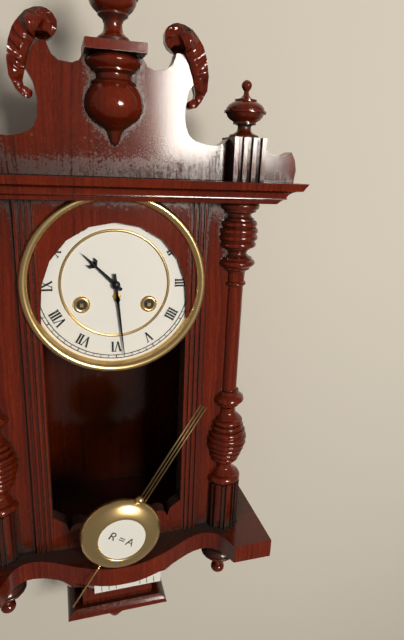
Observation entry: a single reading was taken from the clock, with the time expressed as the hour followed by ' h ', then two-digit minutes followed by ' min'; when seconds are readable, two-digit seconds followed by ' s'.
10 h 29 min
